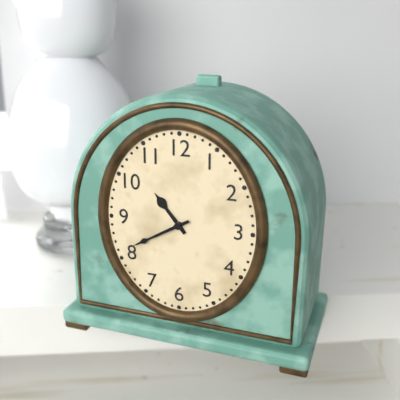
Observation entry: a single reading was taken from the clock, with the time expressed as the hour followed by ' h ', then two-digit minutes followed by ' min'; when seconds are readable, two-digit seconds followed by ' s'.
10 h 40 min
